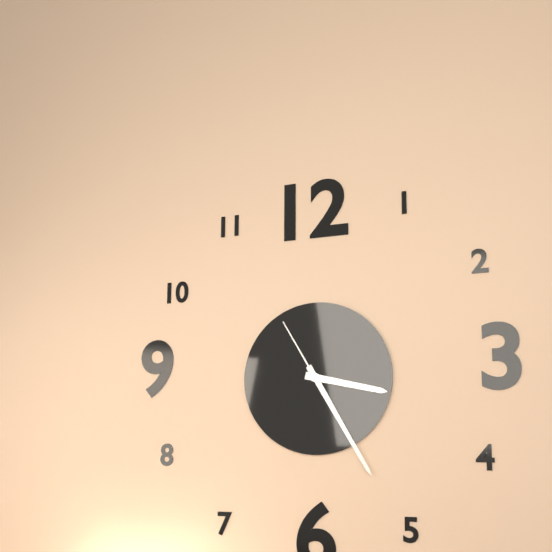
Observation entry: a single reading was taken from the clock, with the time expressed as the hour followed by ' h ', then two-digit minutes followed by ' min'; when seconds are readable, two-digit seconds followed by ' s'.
3 h 25 min 55 s
